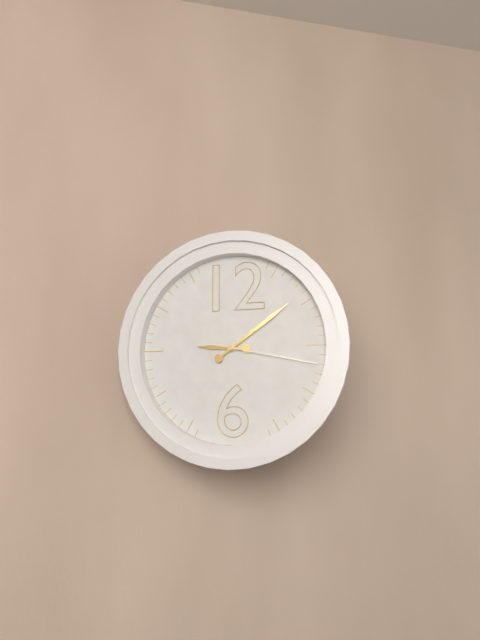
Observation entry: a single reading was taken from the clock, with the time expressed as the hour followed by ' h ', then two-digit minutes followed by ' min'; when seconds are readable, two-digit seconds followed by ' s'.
9 h 09 min 17 s
